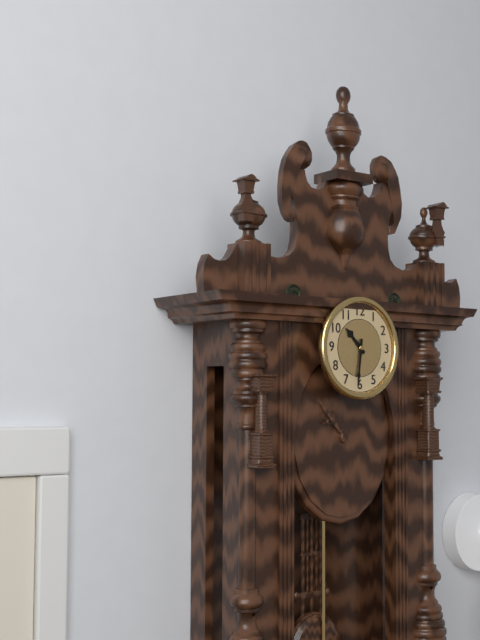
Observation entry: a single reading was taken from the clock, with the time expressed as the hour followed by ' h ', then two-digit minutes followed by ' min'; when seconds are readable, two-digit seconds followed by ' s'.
10 h 31 min
